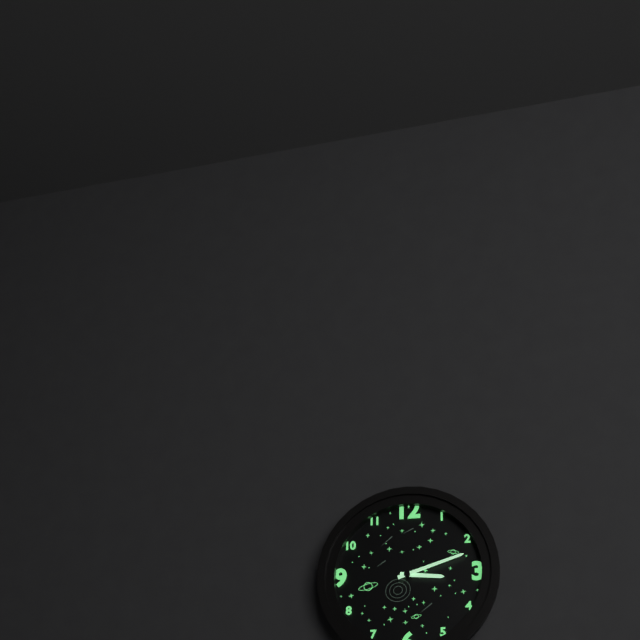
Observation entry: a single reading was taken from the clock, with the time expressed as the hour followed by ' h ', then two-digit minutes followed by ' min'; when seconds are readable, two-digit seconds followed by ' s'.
3 h 12 min
